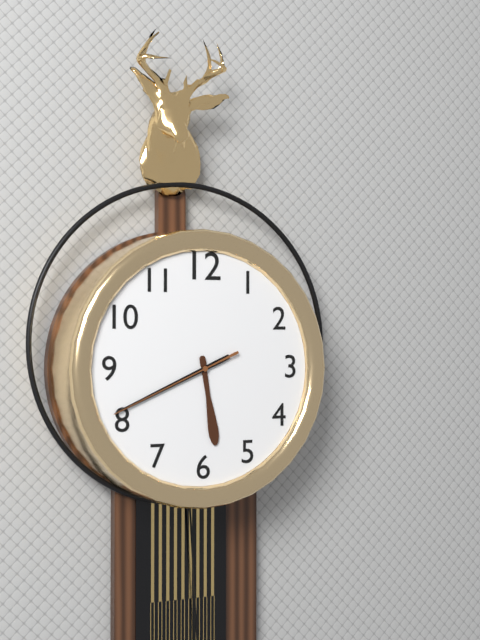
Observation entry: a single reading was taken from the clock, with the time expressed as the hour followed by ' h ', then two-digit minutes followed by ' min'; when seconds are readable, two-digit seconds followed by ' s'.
5 h 41 min 41 s
